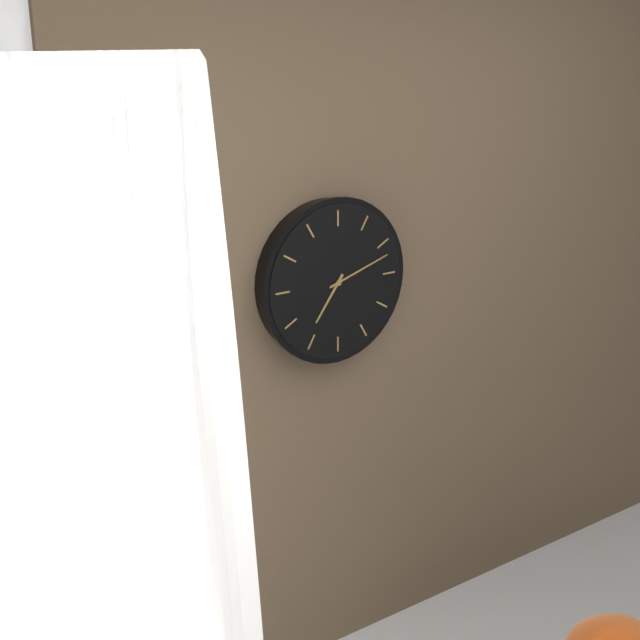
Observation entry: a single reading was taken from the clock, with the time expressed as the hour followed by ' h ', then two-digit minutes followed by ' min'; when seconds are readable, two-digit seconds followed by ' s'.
7 h 12 min
